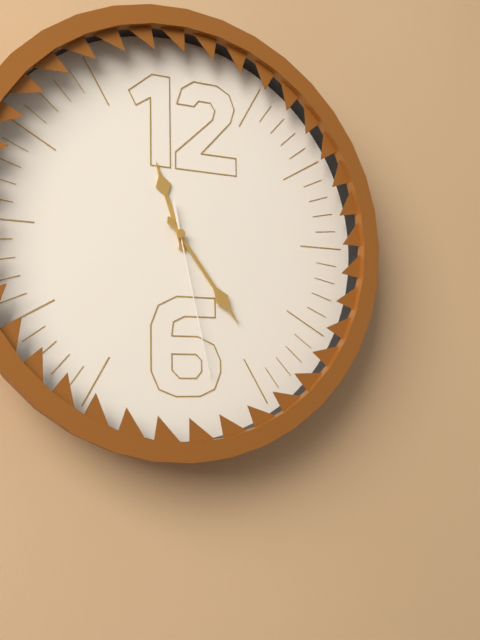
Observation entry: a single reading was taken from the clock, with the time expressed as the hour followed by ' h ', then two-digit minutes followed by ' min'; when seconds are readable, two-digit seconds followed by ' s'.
11 h 24 min 28 s
